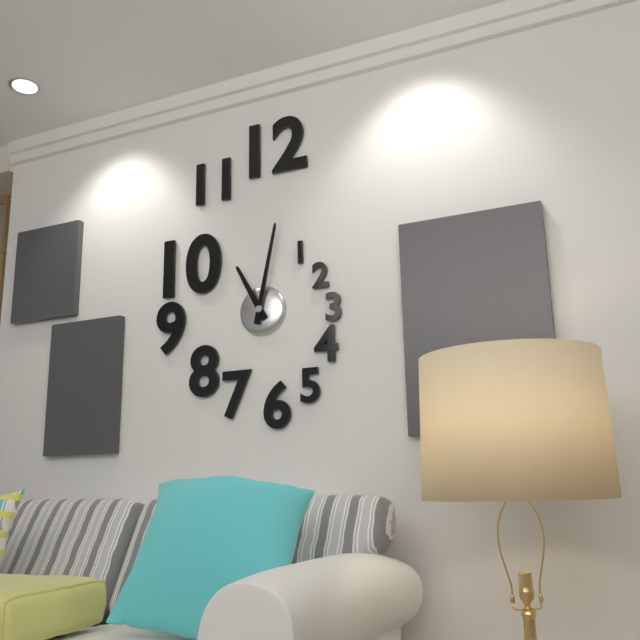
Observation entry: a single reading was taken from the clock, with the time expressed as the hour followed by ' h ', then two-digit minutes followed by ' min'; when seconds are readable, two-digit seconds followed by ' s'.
11 h 02 min
